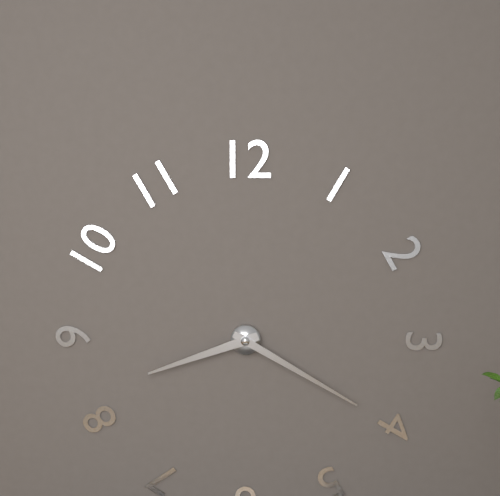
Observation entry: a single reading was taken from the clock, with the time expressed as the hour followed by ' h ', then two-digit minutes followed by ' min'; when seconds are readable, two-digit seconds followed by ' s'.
8 h 20 min
